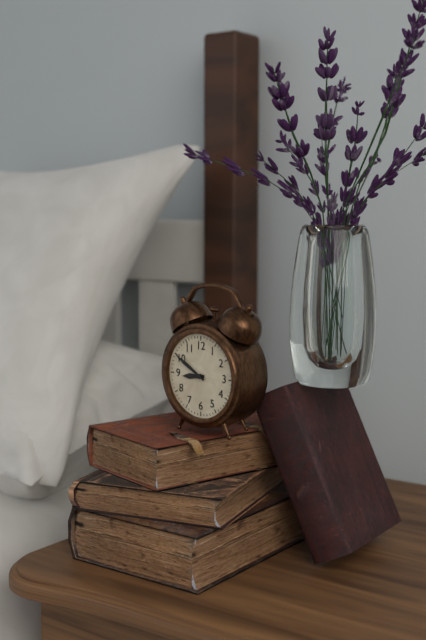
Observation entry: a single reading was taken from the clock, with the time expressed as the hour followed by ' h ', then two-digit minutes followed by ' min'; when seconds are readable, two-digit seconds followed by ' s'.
8 h 50 min
